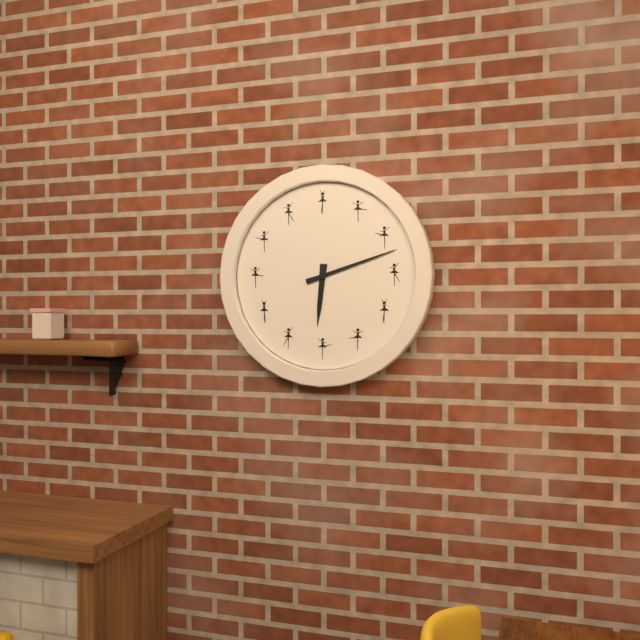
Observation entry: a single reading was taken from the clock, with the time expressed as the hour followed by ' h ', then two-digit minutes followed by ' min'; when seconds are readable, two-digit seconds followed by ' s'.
6 h 12 min
